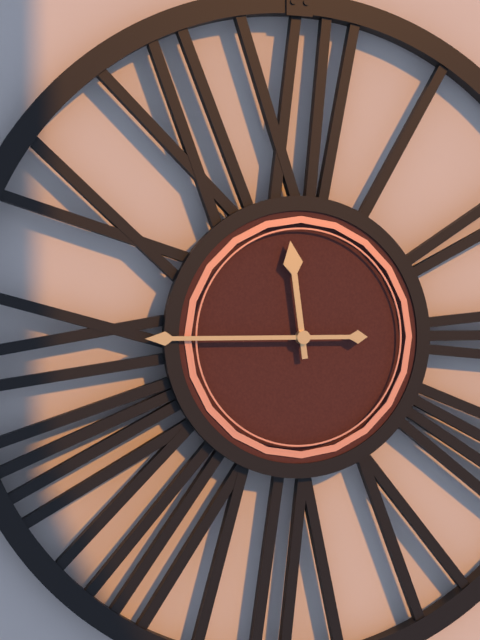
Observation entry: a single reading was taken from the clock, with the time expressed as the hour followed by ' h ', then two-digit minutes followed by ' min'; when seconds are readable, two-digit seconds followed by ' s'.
11 h 45 min
